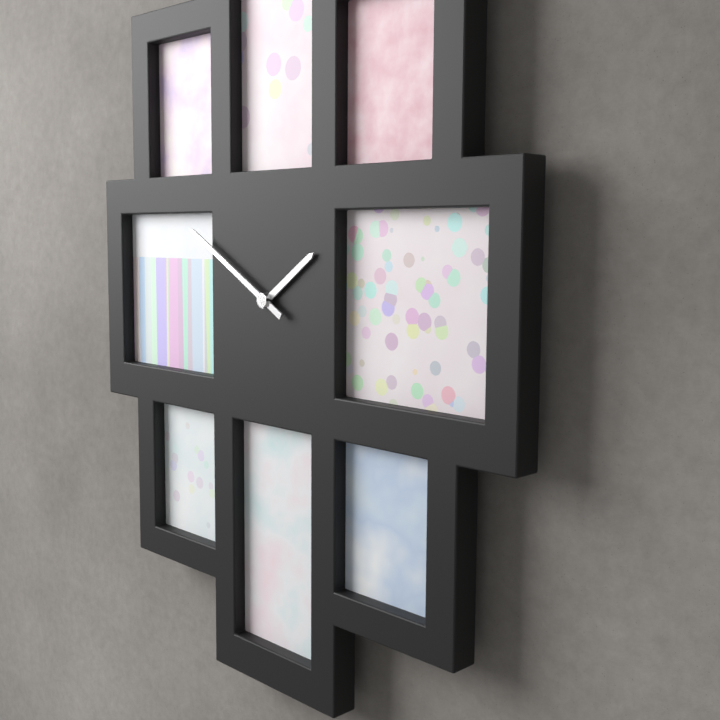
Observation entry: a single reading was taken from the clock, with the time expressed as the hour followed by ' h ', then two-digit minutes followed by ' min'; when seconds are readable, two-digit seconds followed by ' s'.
1 h 50 min
